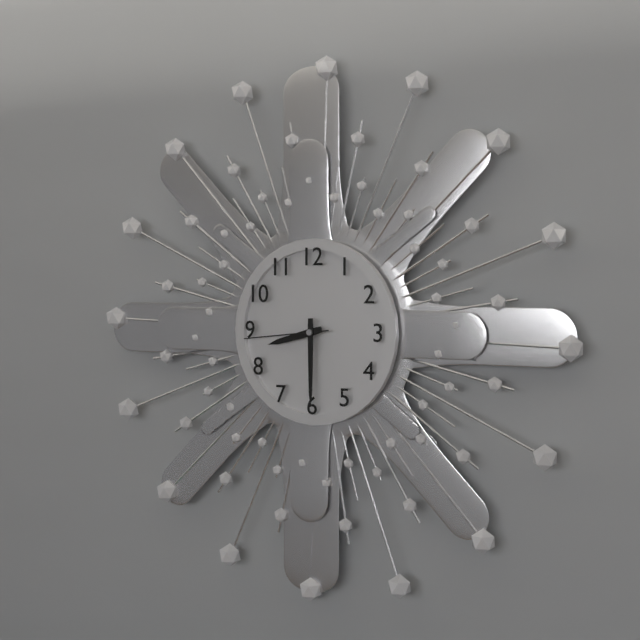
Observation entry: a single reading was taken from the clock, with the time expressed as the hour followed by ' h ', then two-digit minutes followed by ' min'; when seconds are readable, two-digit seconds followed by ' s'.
8 h 30 min 44 s
